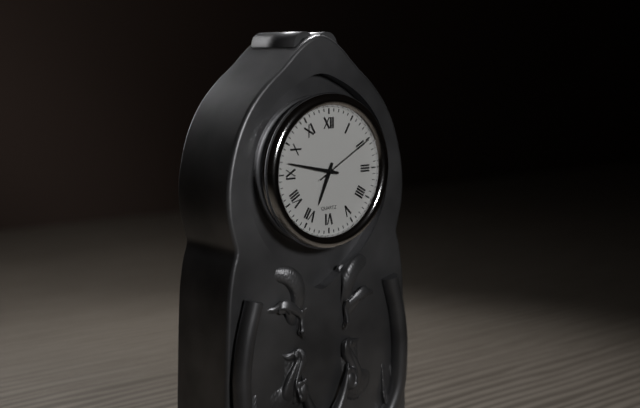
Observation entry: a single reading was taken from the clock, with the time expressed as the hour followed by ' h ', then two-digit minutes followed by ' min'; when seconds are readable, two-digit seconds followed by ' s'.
6 h 47 min 10 s
